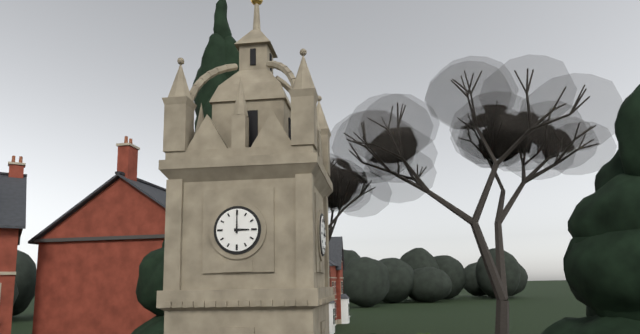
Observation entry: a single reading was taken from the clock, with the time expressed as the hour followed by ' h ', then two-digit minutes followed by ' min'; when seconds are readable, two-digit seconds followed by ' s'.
3 h 00 min
